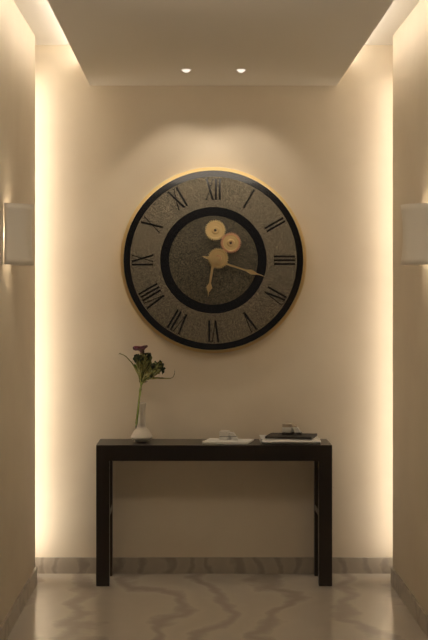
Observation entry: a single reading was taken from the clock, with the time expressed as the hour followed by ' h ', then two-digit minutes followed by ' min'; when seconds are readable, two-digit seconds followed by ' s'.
6 h 18 min
